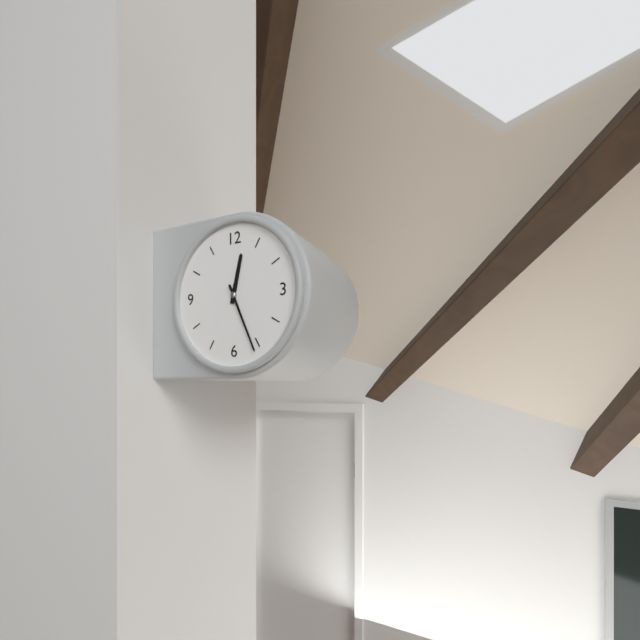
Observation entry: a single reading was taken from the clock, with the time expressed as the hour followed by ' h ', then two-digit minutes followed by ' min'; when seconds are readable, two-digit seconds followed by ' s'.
12 h 26 min
